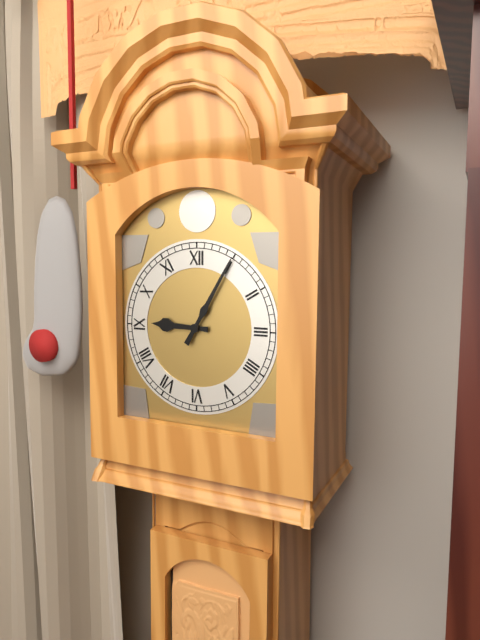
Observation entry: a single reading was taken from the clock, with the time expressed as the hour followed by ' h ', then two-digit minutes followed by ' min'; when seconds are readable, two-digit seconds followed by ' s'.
9 h 05 min
